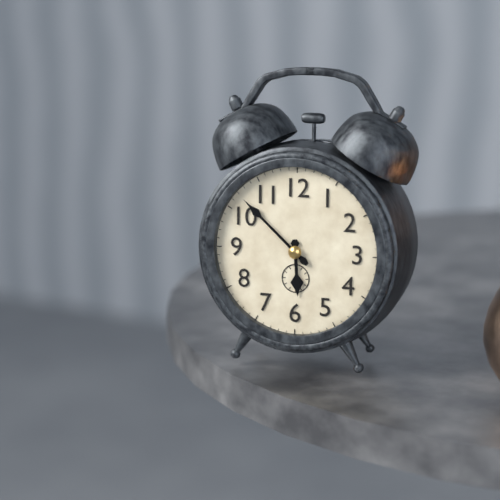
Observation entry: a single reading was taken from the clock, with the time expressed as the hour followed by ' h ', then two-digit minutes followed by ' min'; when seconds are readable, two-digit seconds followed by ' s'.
5 h 52 min
